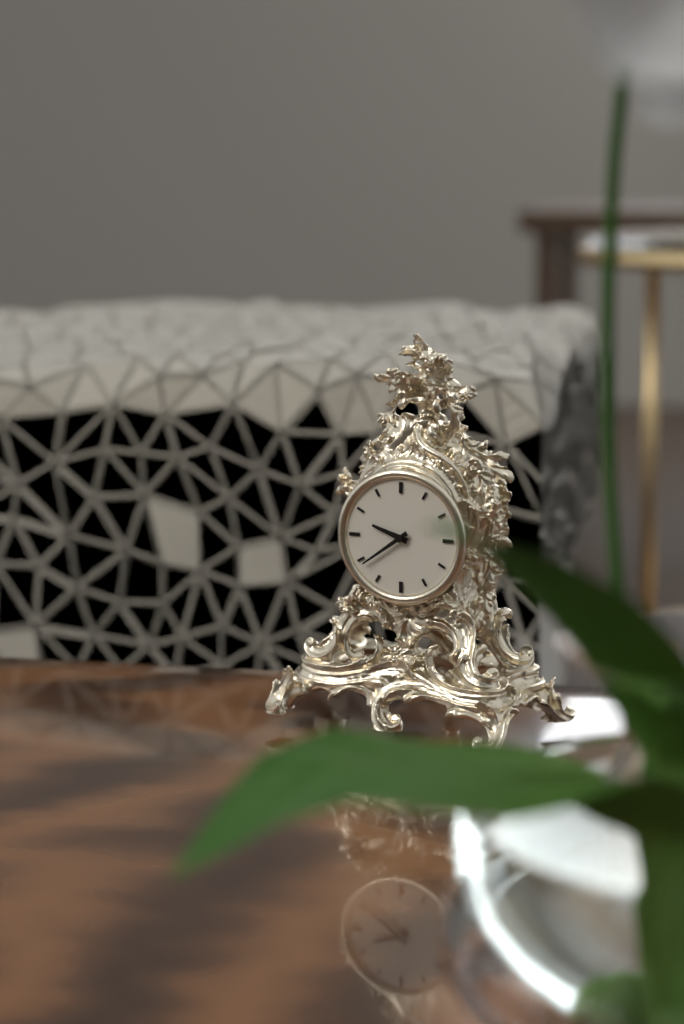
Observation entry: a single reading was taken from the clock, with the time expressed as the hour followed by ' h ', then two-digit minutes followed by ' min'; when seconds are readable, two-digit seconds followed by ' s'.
9 h 39 min
